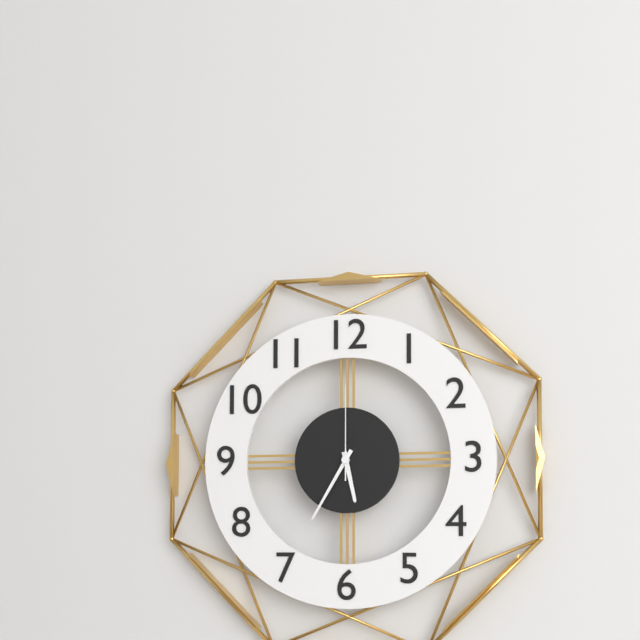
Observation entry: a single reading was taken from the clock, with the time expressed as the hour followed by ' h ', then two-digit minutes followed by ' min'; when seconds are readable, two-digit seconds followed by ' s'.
5 h 35 min 00 s
